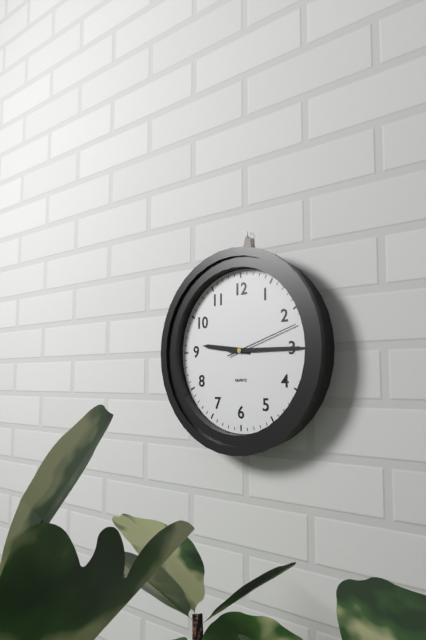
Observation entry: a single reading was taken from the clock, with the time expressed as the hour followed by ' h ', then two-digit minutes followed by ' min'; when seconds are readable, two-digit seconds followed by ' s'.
9 h 15 min 12 s
